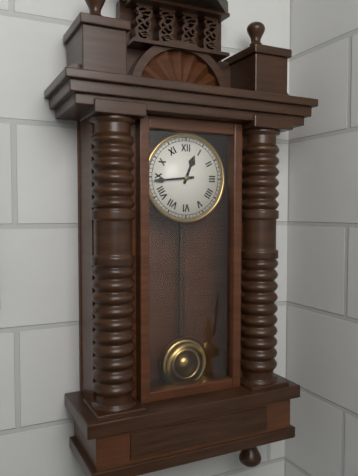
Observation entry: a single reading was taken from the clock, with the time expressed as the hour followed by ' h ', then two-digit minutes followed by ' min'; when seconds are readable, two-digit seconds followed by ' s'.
12 h 44 min
